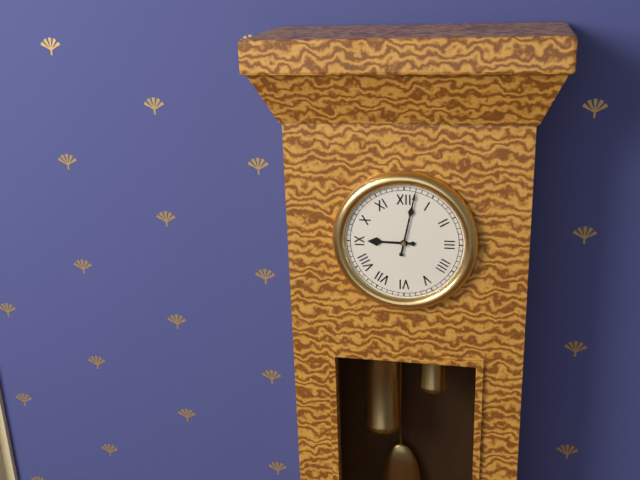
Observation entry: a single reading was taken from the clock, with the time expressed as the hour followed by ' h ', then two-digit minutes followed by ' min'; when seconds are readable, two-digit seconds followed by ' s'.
9 h 02 min
